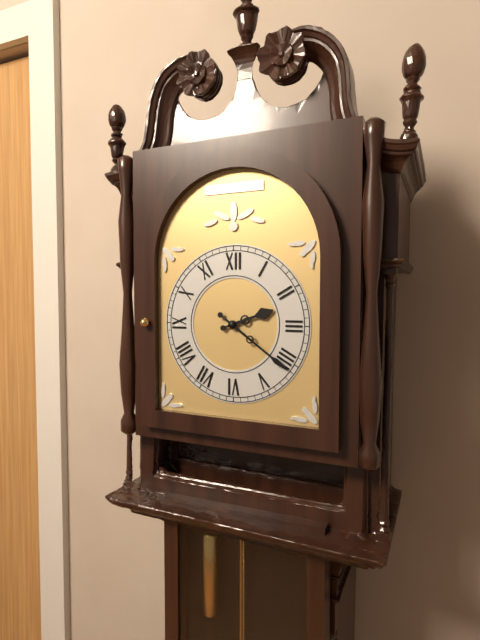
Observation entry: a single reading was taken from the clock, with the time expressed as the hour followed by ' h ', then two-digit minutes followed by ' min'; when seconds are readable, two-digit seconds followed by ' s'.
2 h 21 min
